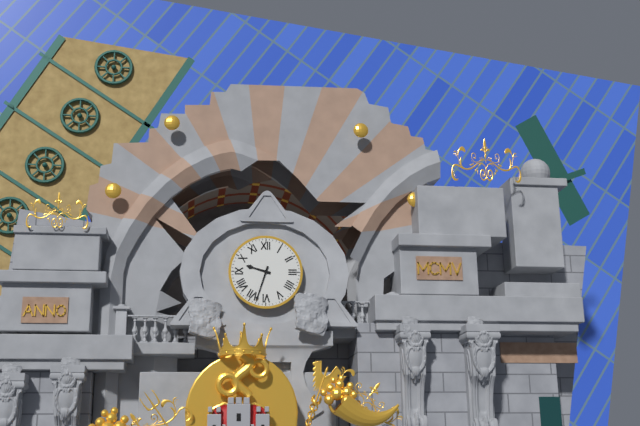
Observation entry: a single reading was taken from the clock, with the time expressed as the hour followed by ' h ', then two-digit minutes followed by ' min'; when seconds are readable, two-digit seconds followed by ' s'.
9 h 33 min
